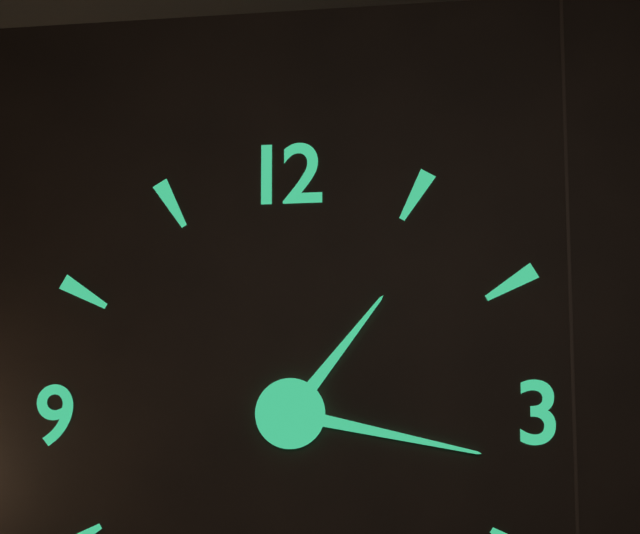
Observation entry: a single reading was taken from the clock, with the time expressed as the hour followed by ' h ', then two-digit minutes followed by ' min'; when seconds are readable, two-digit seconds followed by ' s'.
1 h 17 min
